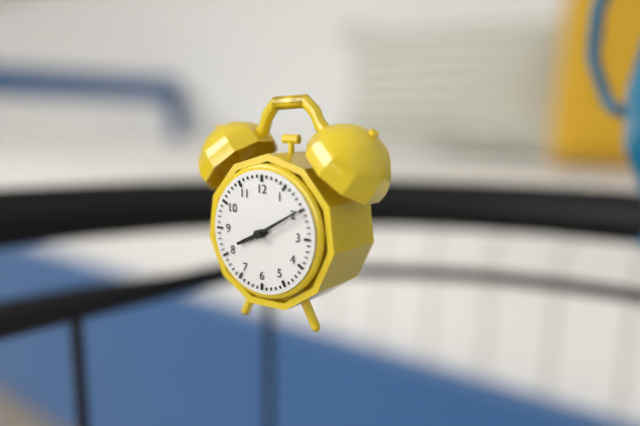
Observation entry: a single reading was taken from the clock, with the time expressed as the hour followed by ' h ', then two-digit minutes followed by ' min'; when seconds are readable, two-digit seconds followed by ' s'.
8 h 10 min
